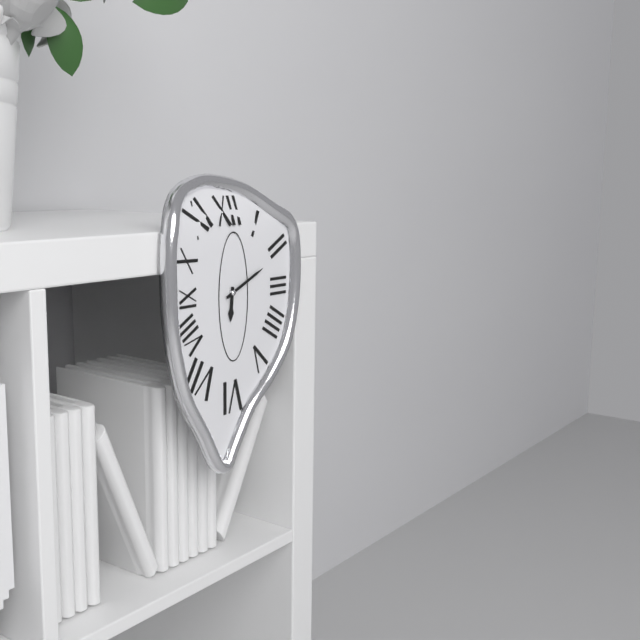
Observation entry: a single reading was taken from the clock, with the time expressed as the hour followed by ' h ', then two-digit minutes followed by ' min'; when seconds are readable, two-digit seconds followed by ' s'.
6 h 11 min
